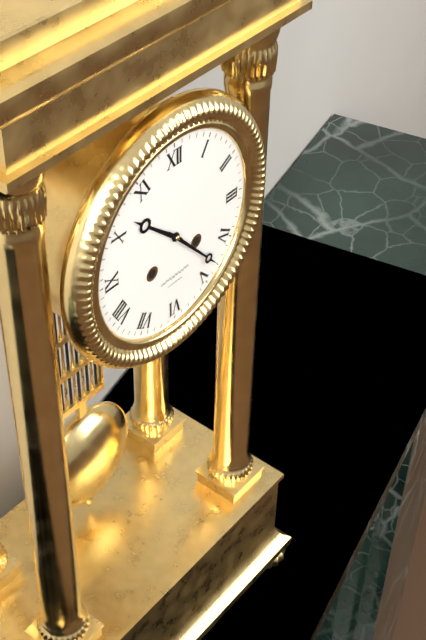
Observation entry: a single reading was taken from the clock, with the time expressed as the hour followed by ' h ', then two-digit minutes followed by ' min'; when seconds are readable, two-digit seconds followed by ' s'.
10 h 23 min
